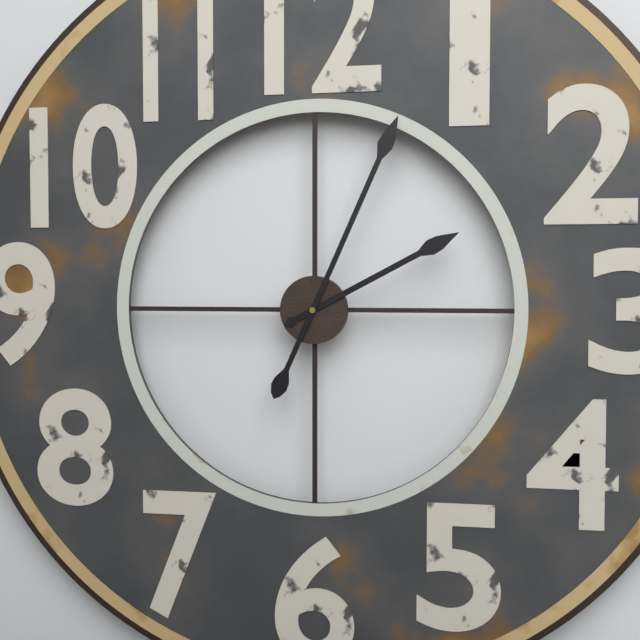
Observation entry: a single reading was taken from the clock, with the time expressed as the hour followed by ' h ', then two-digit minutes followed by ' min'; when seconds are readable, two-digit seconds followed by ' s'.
2 h 04 min
